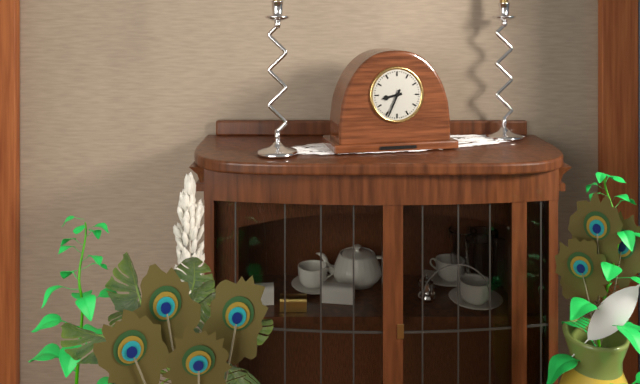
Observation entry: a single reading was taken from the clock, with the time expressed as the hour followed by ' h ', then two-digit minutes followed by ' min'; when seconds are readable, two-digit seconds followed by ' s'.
8 h 34 min
